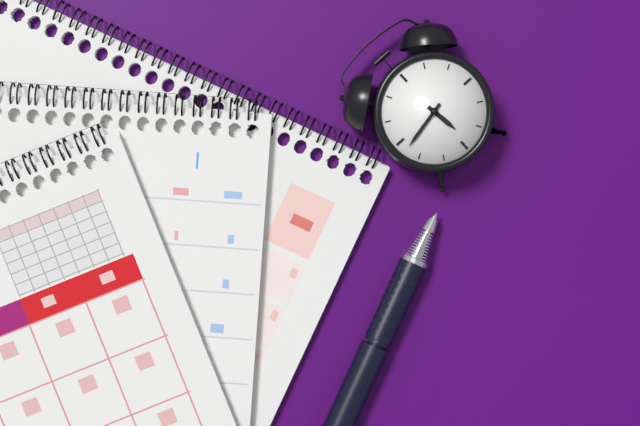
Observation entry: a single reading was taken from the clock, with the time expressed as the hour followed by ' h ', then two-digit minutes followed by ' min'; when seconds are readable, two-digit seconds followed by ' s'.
5 h 43 min
